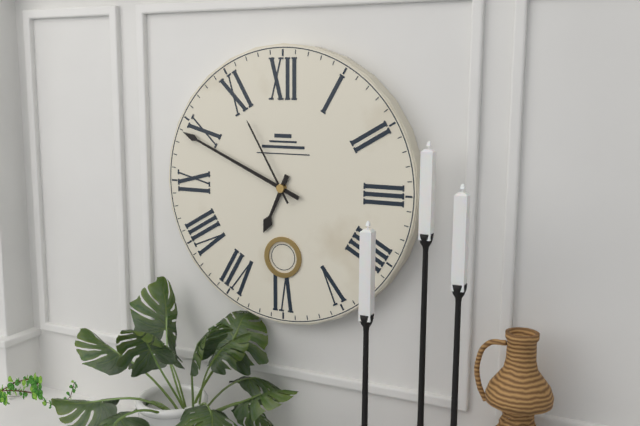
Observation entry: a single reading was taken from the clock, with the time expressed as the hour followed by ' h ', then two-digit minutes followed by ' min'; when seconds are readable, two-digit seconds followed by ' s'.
6 h 49 min 55 s
